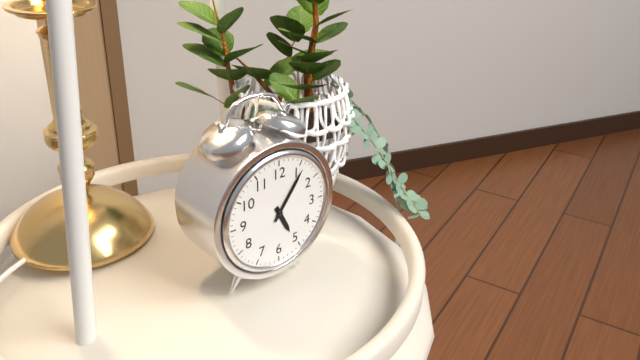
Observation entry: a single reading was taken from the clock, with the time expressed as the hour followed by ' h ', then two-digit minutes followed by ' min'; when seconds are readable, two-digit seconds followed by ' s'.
5 h 06 min
